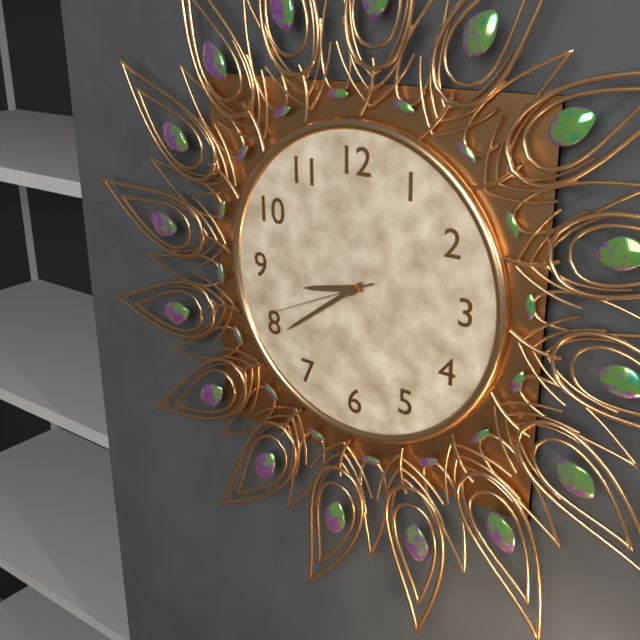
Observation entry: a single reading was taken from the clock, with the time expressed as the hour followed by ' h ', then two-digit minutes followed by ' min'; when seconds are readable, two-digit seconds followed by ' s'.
8 h 39 min 41 s
